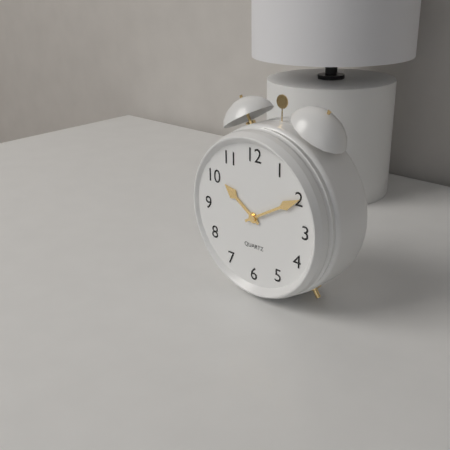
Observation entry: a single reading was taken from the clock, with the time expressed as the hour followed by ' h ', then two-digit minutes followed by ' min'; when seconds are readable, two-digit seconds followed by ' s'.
10 h 10 min
